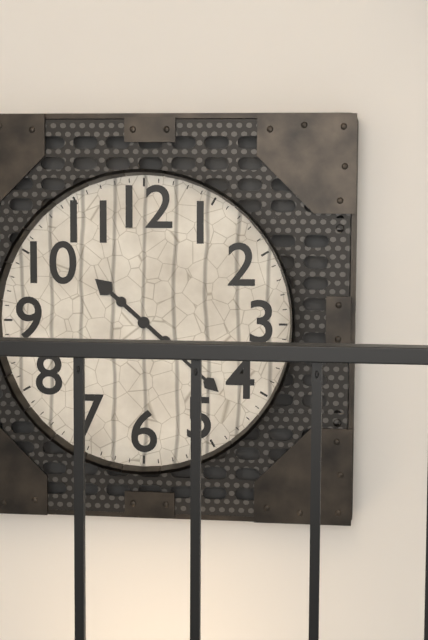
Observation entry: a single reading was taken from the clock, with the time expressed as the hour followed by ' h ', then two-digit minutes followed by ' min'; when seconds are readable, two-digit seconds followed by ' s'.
10 h 22 min
